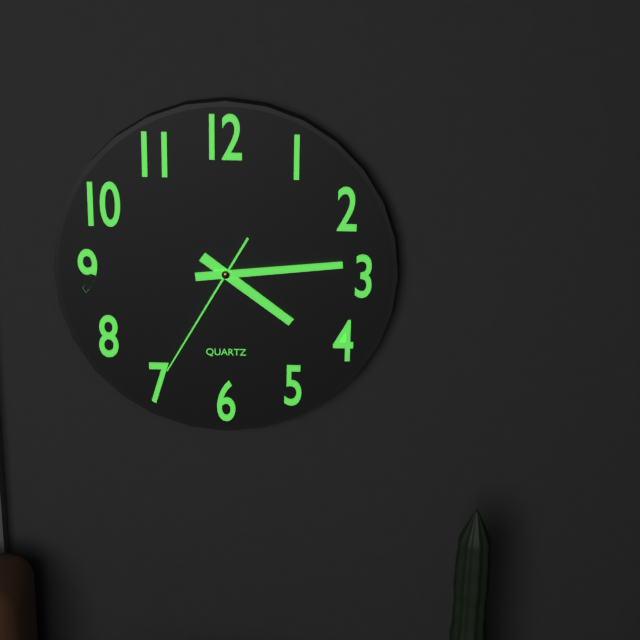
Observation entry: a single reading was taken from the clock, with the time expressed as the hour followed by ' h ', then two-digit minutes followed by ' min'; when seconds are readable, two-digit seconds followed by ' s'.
4 h 14 min 35 s
